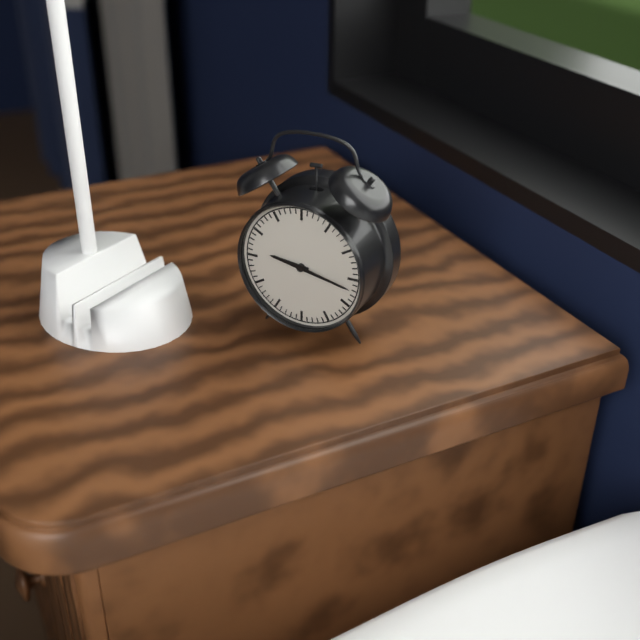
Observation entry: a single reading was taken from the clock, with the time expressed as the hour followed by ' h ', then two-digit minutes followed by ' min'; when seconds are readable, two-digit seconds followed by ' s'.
9 h 17 min
